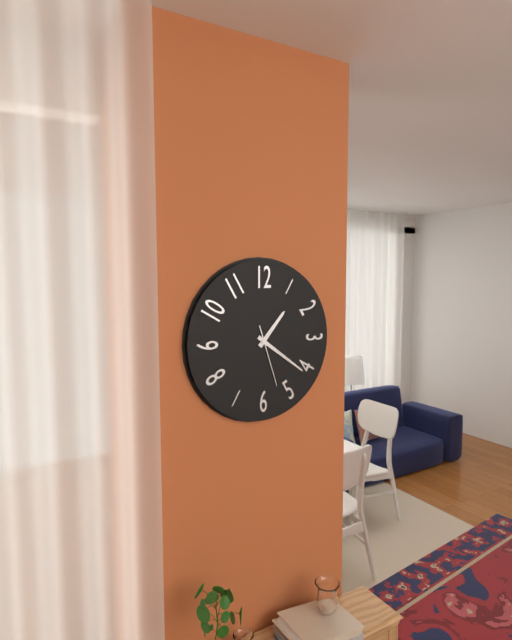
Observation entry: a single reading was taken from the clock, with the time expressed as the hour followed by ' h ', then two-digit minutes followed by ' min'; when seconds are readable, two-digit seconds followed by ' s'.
1 h 21 min 27 s
